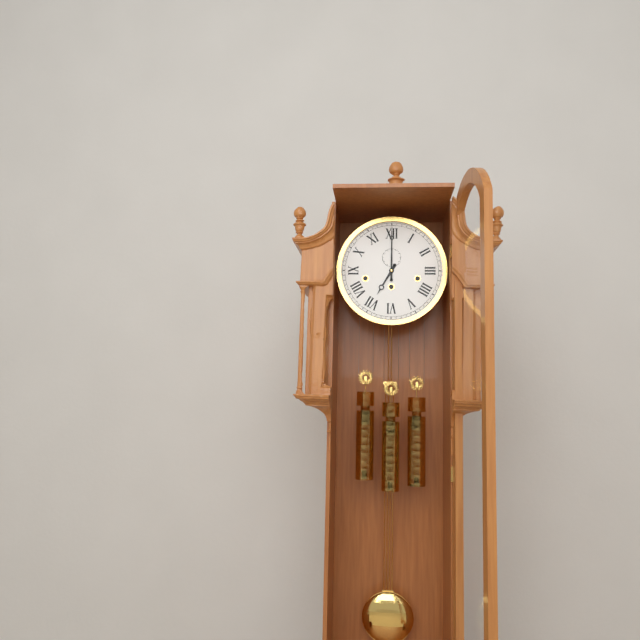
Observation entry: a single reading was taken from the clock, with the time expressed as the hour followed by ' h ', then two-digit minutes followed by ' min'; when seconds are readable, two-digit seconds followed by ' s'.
7 h 00 min
